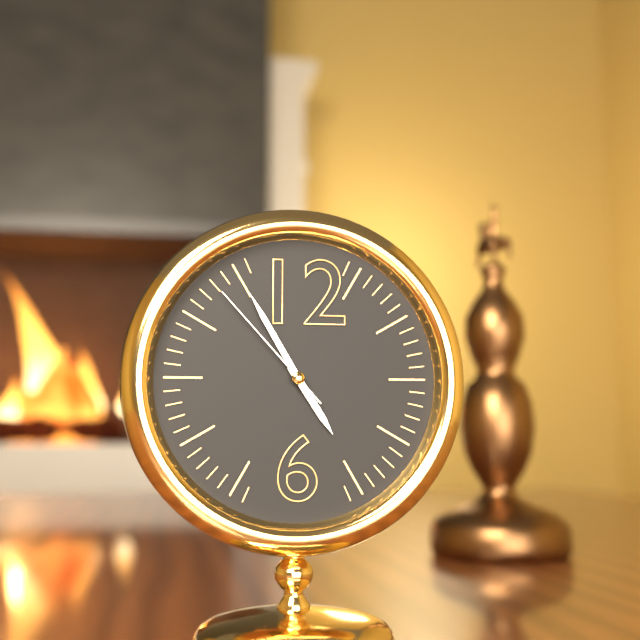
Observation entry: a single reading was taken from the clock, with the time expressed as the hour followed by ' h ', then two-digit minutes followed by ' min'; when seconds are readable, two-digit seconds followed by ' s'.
4 h 55 min 53 s
